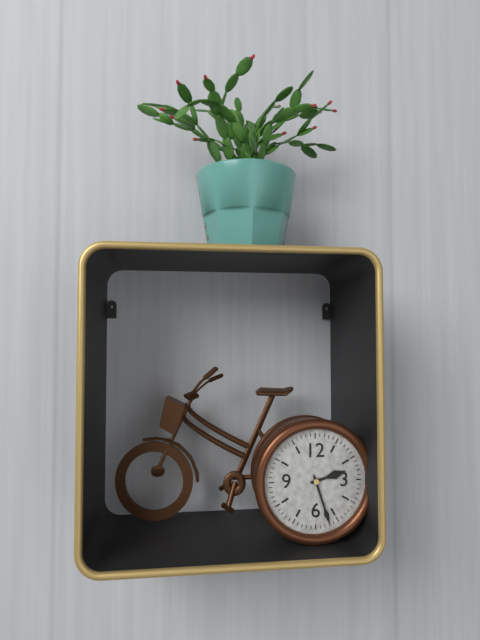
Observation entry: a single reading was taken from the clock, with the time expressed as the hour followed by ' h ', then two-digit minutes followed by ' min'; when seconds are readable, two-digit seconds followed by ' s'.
2 h 27 min
